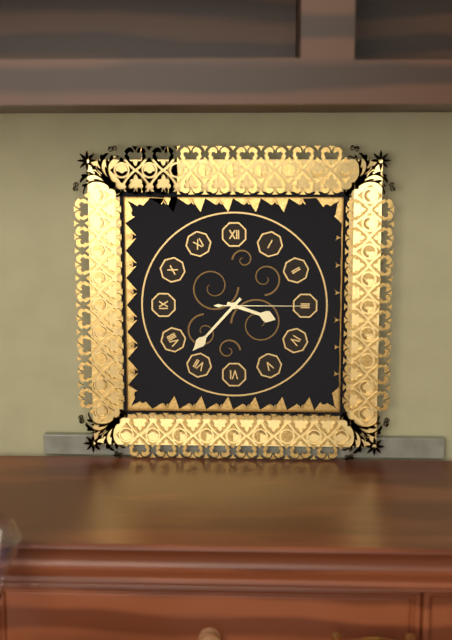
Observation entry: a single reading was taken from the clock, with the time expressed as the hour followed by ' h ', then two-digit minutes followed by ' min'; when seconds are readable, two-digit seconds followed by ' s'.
3 h 37 min 15 s
